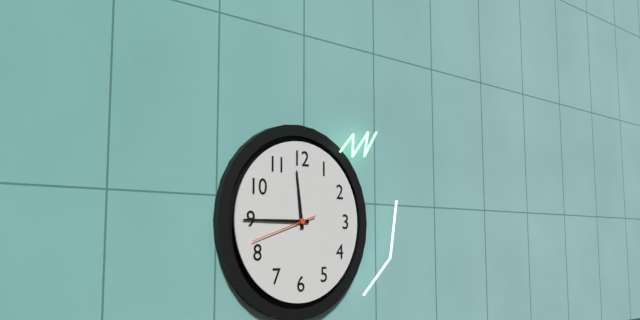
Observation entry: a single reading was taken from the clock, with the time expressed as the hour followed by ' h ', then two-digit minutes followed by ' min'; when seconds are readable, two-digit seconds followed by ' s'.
11 h 45 min 42 s
